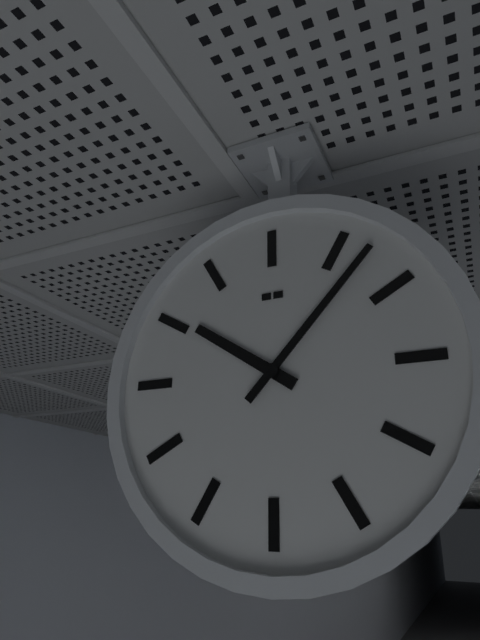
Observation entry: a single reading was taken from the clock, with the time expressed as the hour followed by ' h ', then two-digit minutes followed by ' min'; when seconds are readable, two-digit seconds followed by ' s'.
10 h 07 min
